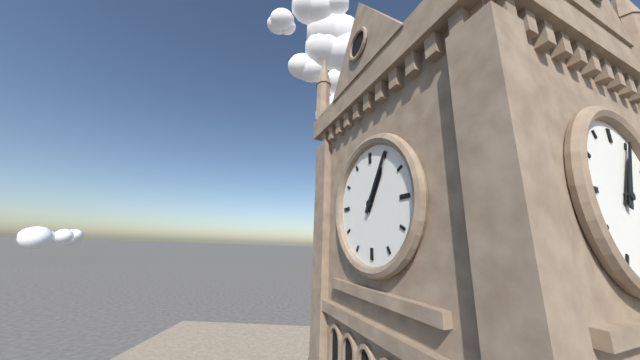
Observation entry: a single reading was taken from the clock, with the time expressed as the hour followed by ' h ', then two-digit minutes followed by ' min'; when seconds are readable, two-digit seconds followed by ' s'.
1 h 05 min
